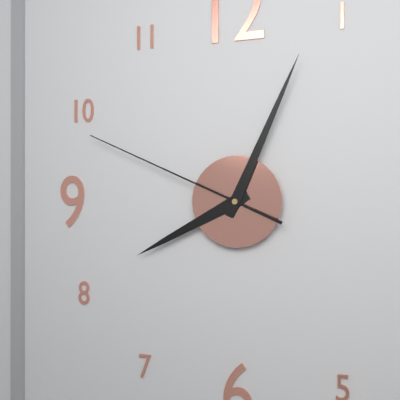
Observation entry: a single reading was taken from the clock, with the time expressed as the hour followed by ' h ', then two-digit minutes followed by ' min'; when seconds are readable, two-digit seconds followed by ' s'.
8 h 04 min 49 s
